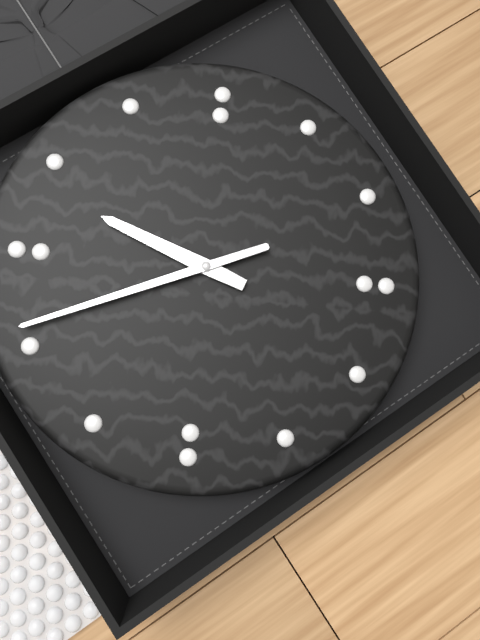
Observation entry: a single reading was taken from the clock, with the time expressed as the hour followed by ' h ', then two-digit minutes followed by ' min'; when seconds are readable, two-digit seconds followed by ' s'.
9 h 41 min
